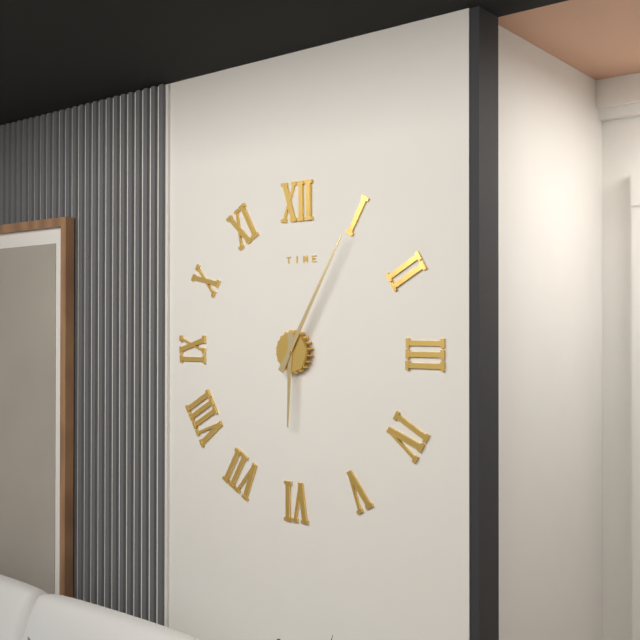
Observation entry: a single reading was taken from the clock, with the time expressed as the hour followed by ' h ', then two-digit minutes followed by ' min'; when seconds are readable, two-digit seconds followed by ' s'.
6 h 05 min
